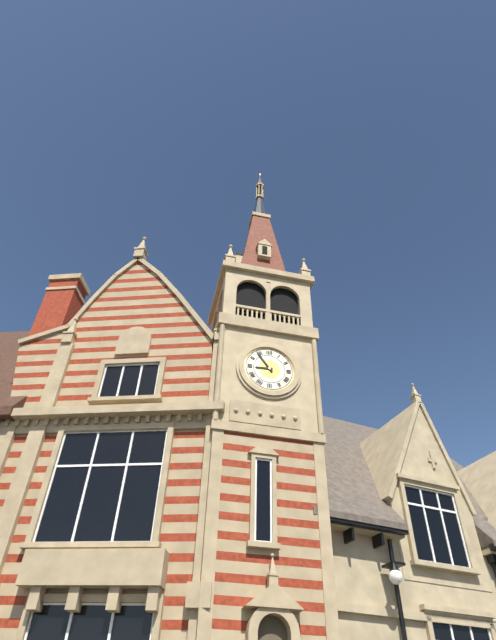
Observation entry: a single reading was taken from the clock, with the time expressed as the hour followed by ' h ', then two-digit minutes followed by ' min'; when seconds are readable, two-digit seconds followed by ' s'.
8 h 54 min
